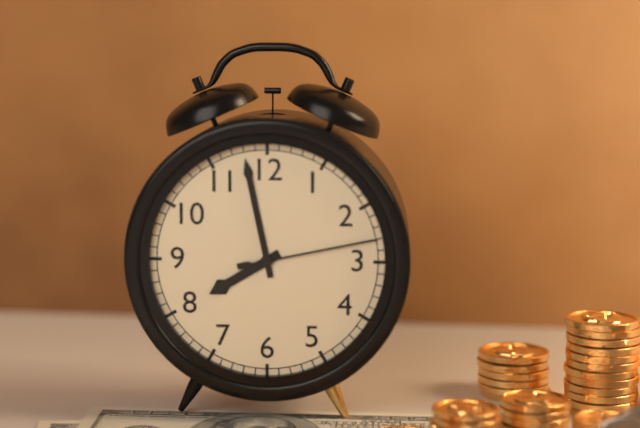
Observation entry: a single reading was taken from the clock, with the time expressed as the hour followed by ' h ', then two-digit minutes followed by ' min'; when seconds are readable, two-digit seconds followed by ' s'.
7 h 58 min 13 s
